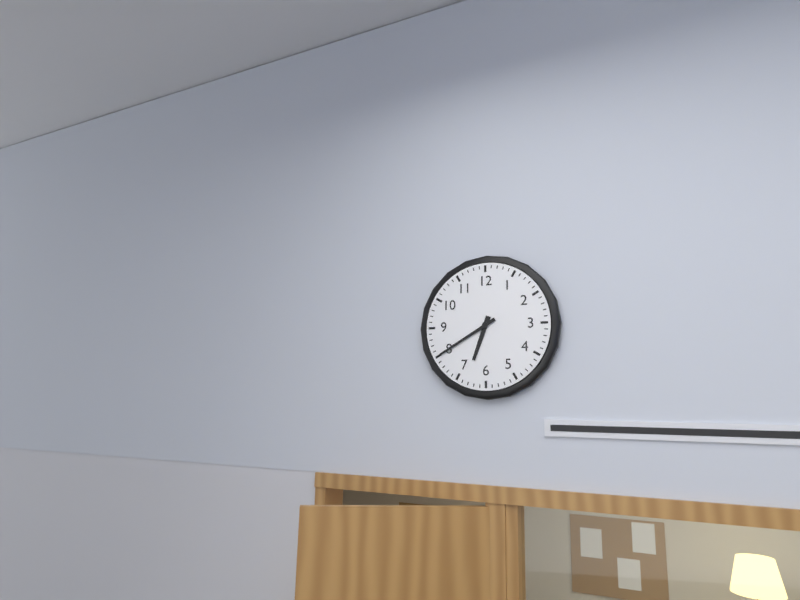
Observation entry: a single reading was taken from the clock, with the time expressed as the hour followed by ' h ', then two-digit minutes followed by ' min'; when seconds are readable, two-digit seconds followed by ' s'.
6 h 40 min
